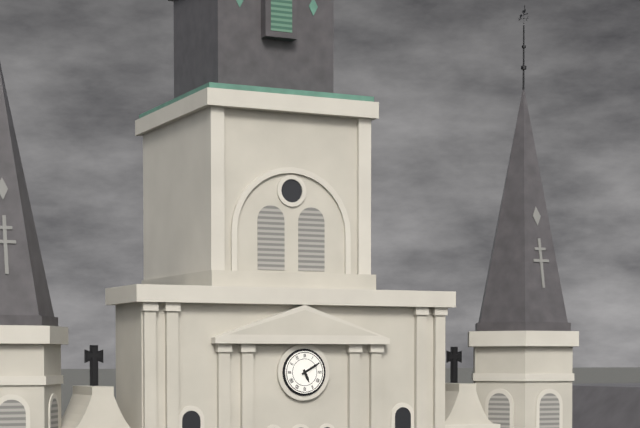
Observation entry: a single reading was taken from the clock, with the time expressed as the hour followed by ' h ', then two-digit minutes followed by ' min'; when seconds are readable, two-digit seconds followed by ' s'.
5 h 10 min
